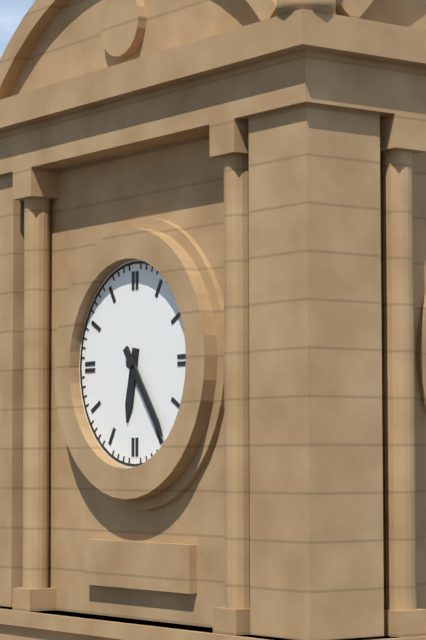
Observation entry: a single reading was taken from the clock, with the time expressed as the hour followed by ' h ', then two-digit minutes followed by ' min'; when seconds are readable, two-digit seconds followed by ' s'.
6 h 24 min
